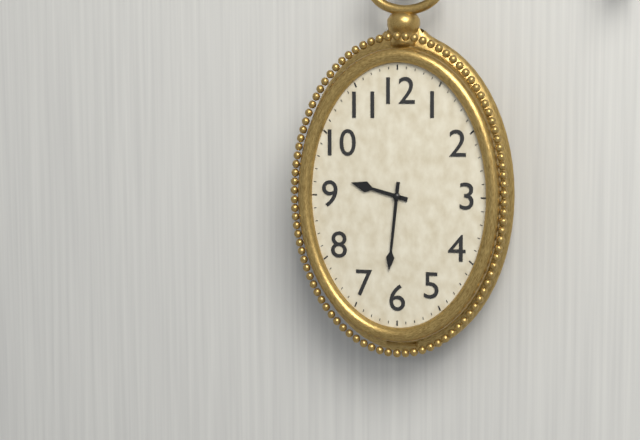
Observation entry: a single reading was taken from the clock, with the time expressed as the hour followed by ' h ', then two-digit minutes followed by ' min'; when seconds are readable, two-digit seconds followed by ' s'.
9 h 31 min
